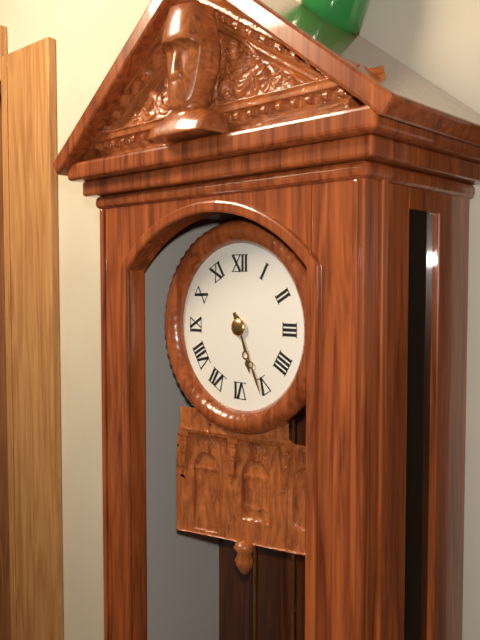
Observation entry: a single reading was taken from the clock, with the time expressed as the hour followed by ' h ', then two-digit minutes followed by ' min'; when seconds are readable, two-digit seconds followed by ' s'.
5 h 26 min
